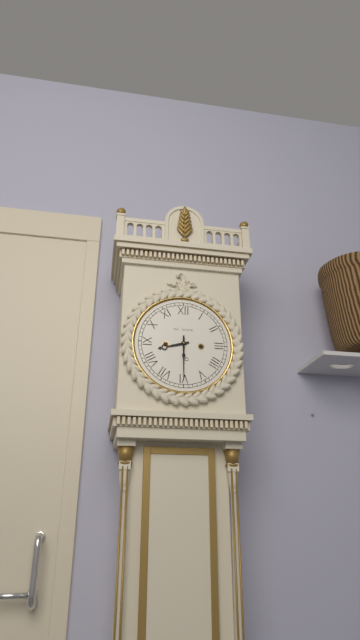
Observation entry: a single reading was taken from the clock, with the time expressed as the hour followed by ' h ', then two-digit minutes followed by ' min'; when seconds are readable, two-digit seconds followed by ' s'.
8 h 30 min
